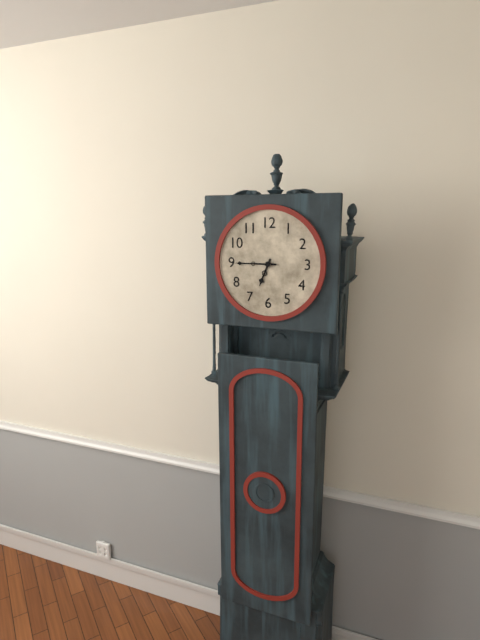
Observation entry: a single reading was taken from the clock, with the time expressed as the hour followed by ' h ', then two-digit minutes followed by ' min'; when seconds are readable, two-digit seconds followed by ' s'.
6 h 45 min
